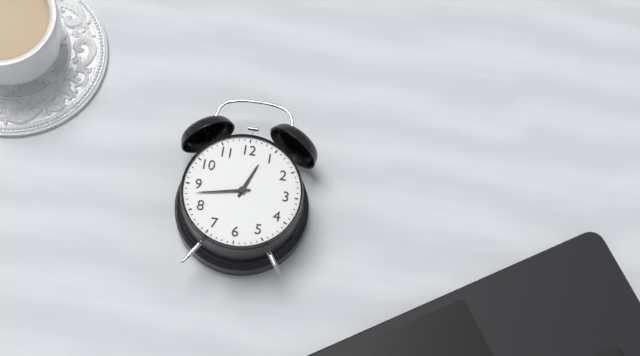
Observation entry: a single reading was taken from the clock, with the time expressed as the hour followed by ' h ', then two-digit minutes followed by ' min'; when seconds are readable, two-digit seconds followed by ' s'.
12 h 43 min
